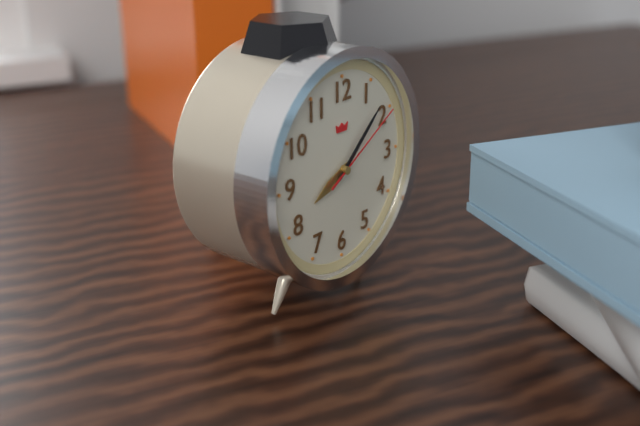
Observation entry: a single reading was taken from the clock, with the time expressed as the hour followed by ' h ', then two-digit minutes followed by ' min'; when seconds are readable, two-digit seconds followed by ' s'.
8 h 08 min 10 s
